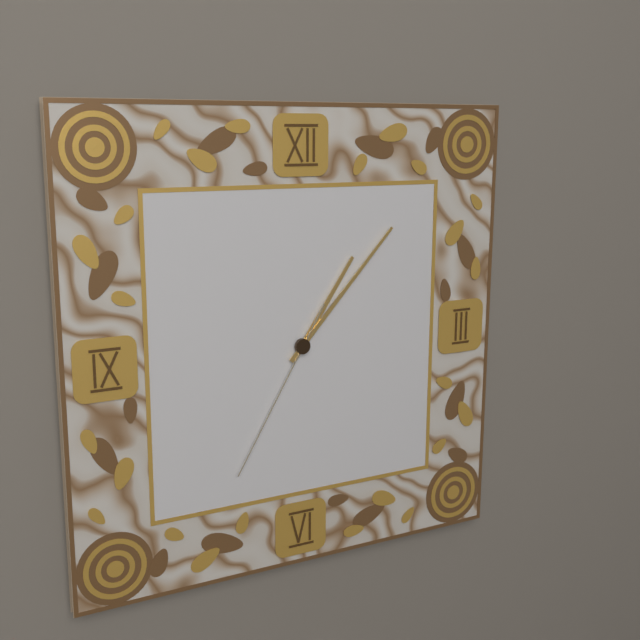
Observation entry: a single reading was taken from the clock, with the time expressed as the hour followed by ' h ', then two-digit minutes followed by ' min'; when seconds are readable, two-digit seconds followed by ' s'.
1 h 07 min 35 s
